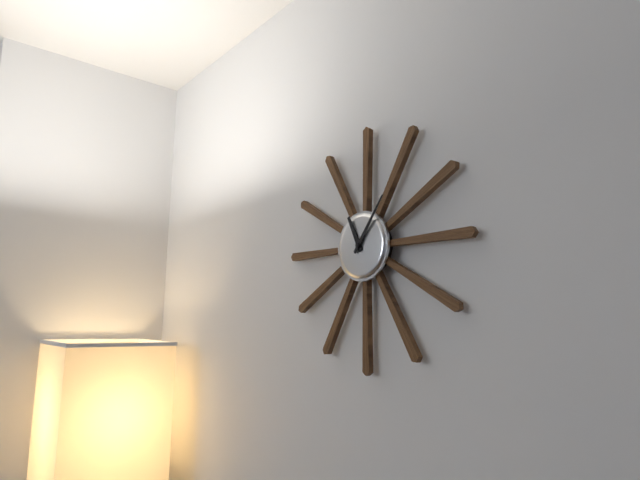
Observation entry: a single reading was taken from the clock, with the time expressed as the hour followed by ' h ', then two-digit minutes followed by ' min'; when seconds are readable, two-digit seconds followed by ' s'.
11 h 06 min
